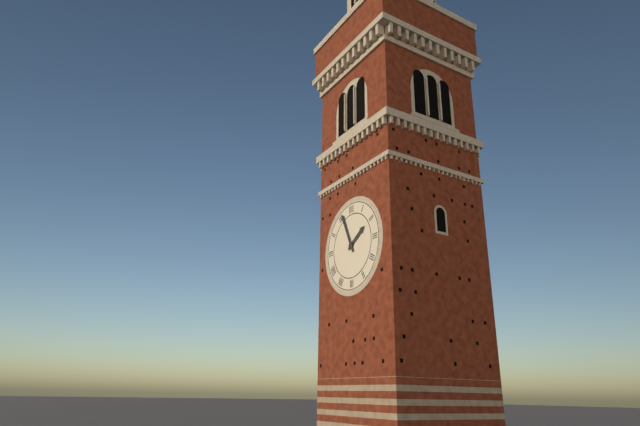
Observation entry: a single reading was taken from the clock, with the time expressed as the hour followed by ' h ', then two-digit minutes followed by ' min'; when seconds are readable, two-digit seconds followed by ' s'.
1 h 56 min
